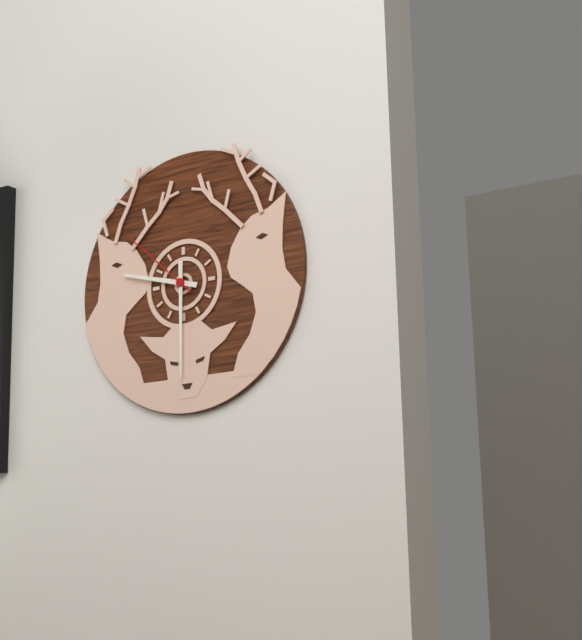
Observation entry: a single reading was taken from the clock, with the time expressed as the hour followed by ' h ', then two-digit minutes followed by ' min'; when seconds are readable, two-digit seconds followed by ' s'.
9 h 30 min 52 s
